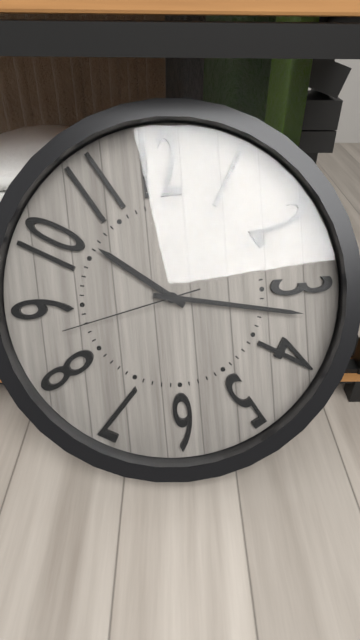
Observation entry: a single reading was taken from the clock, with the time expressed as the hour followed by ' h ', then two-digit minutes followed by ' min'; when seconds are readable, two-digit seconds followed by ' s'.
10 h 17 min 43 s
